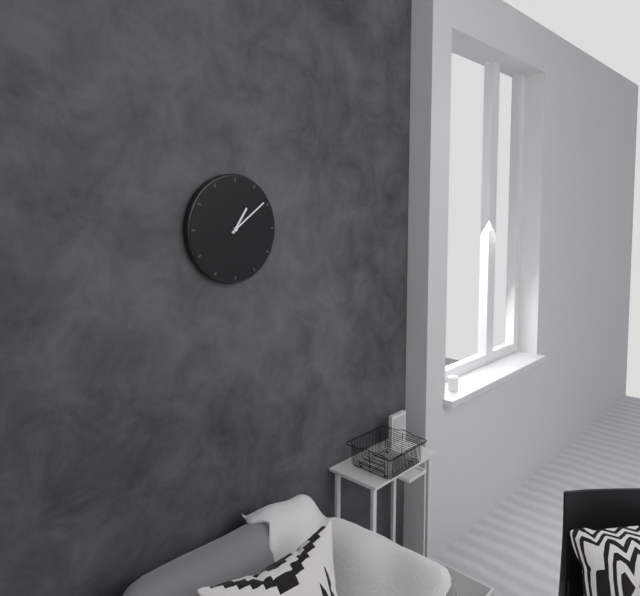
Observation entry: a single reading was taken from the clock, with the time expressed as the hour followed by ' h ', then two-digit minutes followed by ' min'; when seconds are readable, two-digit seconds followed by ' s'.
1 h 09 min
